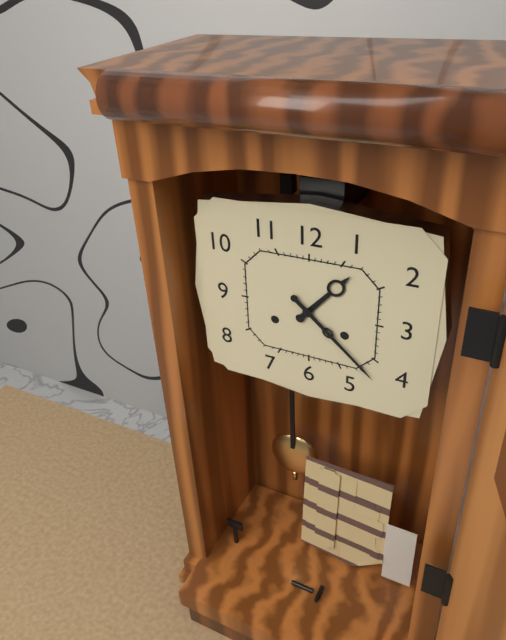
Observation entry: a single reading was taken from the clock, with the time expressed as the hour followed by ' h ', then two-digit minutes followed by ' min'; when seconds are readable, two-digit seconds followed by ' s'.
1 h 22 min
